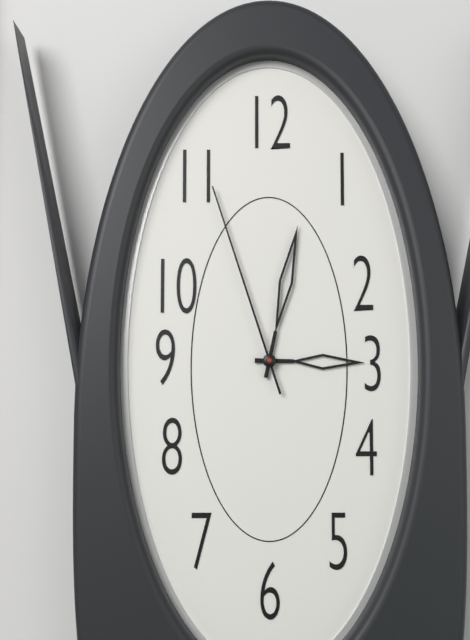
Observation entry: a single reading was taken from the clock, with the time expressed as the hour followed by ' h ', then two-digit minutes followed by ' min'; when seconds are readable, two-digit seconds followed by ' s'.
3 h 02 min 57 s
